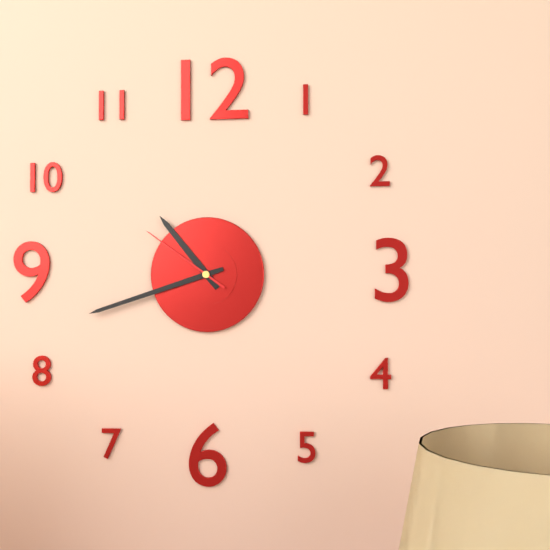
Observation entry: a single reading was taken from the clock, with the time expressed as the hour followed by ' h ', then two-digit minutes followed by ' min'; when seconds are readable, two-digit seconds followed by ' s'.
10 h 42 min 51 s
